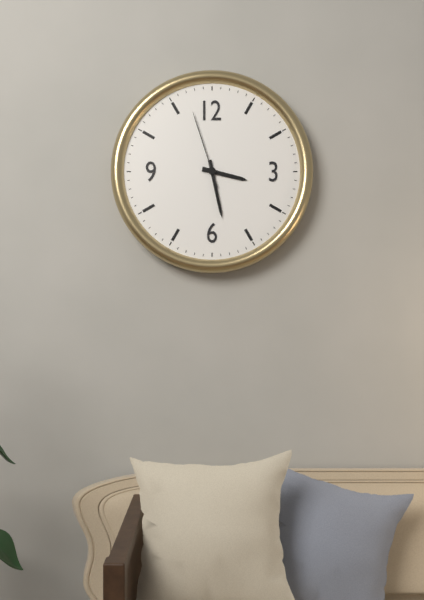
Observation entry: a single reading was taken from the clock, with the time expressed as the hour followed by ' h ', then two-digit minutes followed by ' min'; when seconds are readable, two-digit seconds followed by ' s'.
3 h 28 min 57 s
